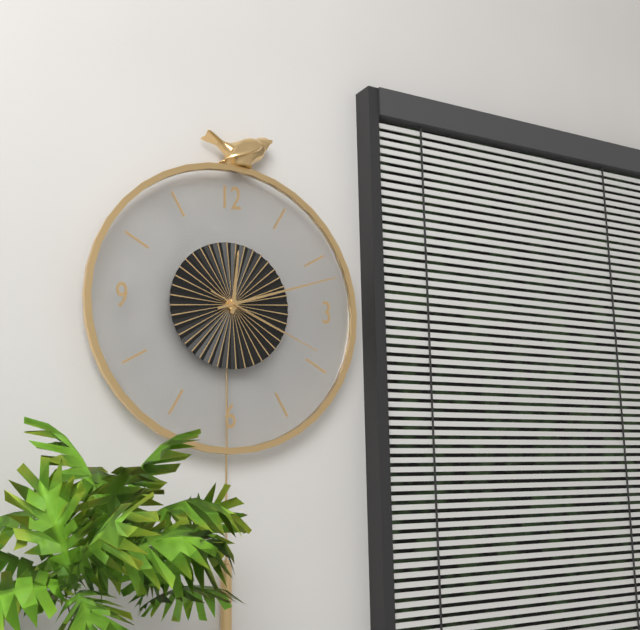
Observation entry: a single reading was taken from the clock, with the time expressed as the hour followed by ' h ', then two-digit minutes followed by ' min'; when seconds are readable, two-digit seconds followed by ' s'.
12 h 12 min 19 s
